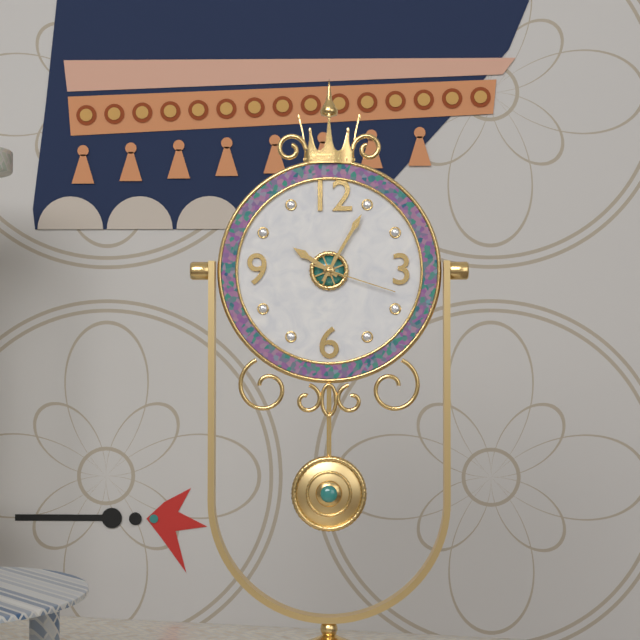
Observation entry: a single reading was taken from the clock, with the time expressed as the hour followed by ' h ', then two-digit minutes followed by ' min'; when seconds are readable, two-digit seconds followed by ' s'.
10 h 05 min 18 s
